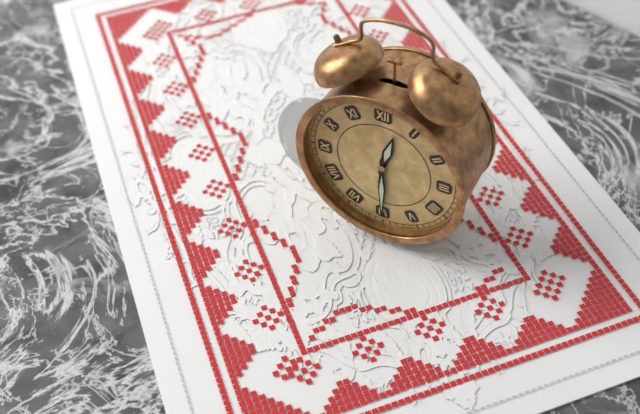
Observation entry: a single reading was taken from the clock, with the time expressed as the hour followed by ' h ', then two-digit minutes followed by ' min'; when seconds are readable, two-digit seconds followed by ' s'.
12 h 30 min
